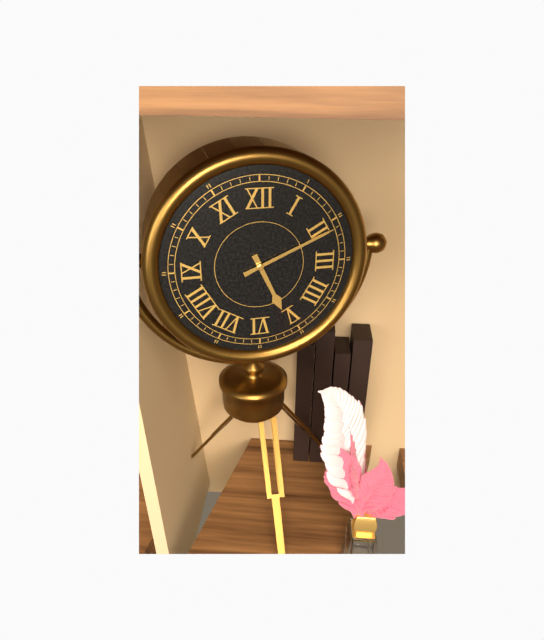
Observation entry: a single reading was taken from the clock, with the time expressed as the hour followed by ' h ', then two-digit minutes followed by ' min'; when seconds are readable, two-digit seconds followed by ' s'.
5 h 11 min
